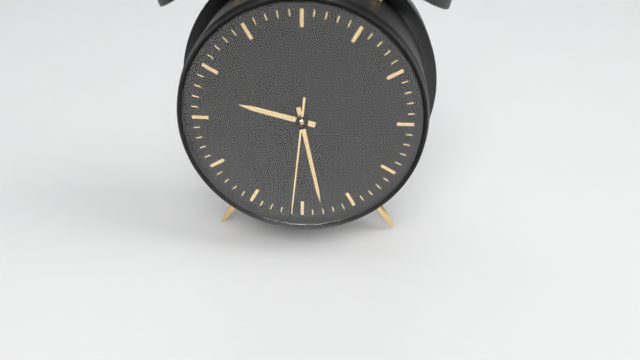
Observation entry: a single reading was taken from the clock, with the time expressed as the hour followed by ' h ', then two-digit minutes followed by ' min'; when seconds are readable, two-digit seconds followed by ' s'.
9 h 28 min 31 s
